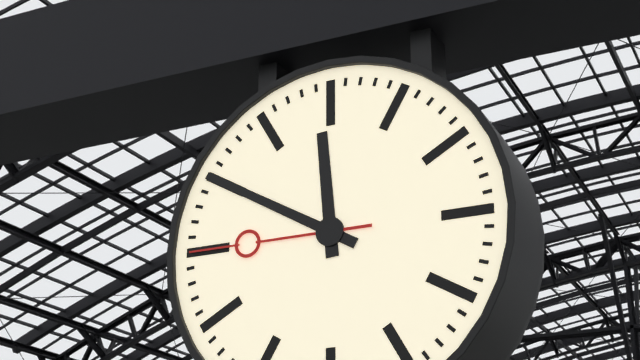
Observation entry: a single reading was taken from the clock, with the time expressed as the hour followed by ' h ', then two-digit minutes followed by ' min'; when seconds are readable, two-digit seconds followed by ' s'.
11 h 50 min 45 s
